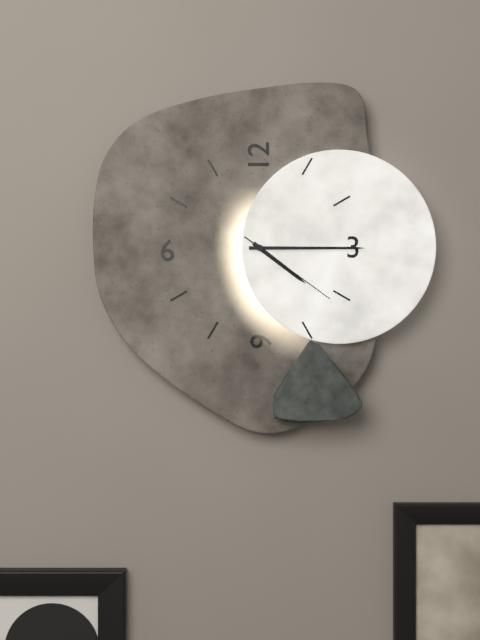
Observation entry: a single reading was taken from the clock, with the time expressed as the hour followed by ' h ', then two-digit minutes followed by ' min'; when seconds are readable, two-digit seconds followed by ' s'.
4 h 15 min 21 s
